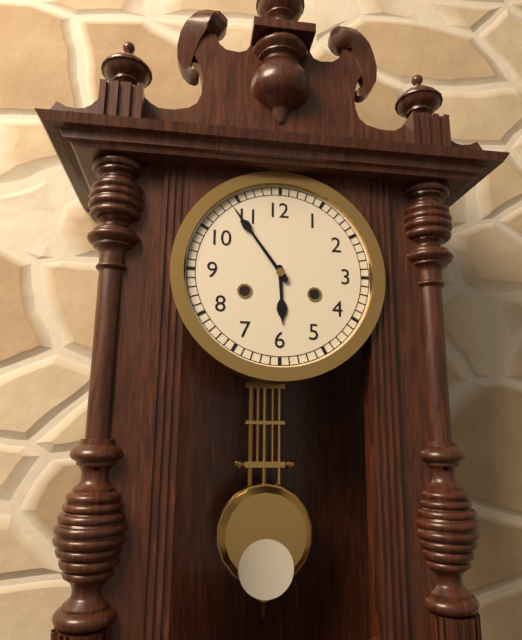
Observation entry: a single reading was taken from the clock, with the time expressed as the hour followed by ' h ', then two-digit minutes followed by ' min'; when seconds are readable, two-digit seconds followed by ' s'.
5 h 54 min
